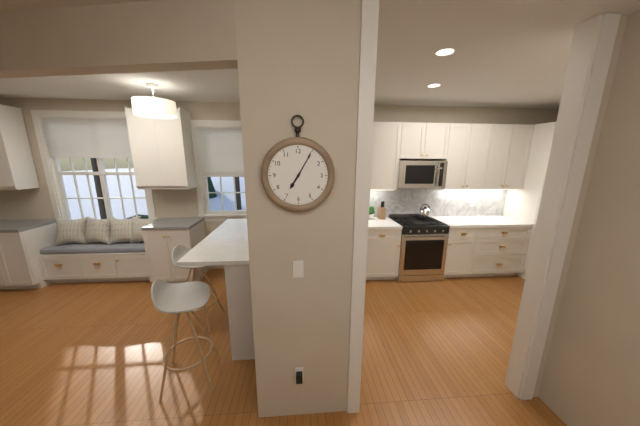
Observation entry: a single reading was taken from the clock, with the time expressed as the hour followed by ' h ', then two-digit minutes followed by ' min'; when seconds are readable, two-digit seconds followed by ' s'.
7 h 05 min
